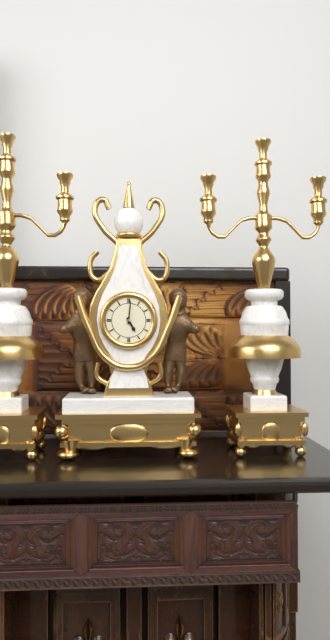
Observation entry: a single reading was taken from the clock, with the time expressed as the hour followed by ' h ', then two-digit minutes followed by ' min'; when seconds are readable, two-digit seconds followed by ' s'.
5 h 01 min
